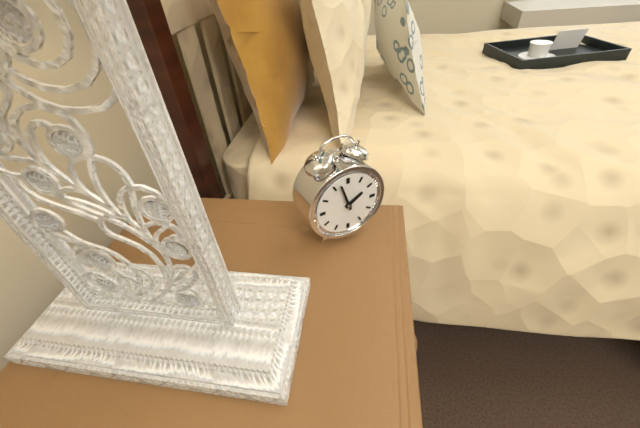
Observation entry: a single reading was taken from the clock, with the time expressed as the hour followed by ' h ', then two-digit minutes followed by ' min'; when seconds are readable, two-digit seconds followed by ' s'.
1 h 57 min
